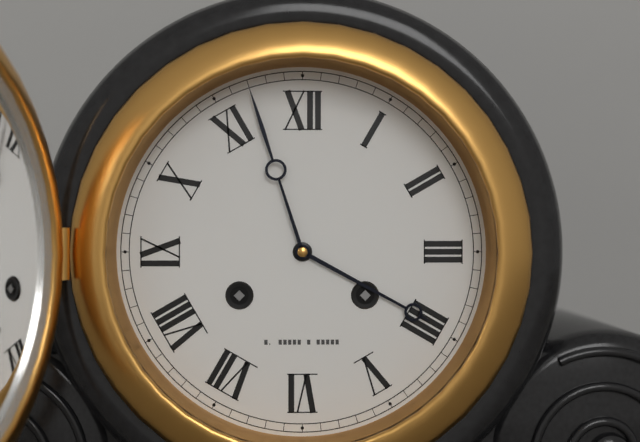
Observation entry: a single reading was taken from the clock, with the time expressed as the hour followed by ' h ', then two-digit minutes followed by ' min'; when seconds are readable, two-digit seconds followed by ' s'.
3 h 57 min
